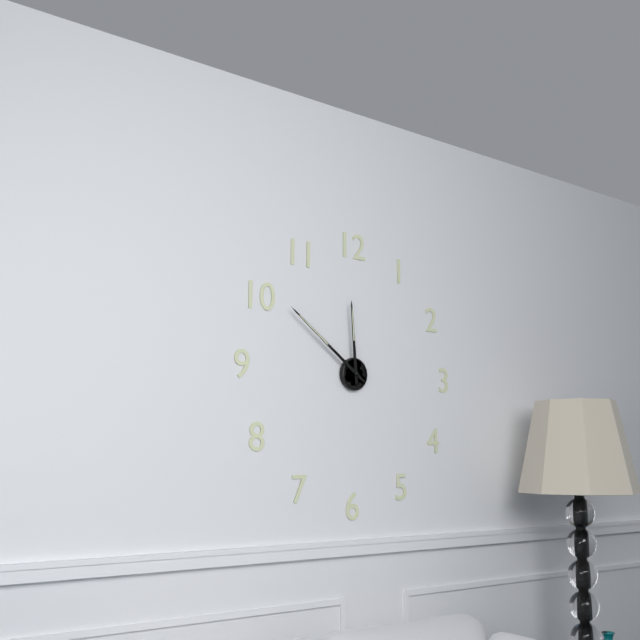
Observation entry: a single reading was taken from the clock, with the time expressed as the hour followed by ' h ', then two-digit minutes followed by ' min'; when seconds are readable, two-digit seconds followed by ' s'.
11 h 51 min
